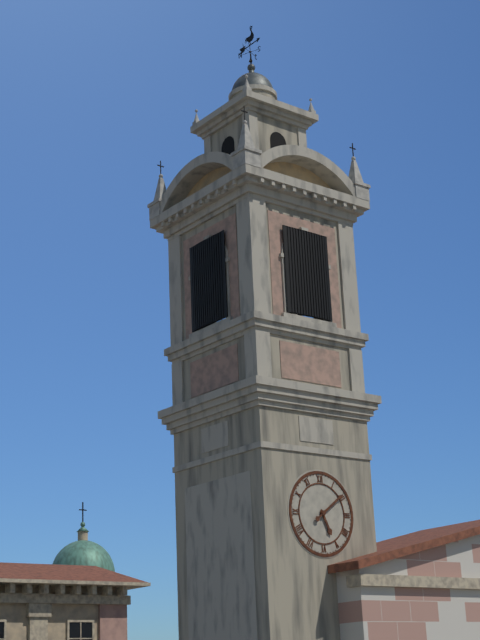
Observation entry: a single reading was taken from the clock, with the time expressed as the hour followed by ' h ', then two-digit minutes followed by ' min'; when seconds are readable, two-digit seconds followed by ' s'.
5 h 09 min
